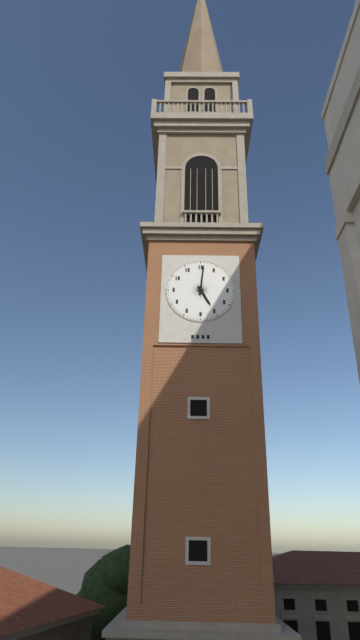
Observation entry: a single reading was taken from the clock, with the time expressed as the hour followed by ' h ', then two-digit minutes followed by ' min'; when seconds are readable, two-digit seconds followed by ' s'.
5 h 01 min
